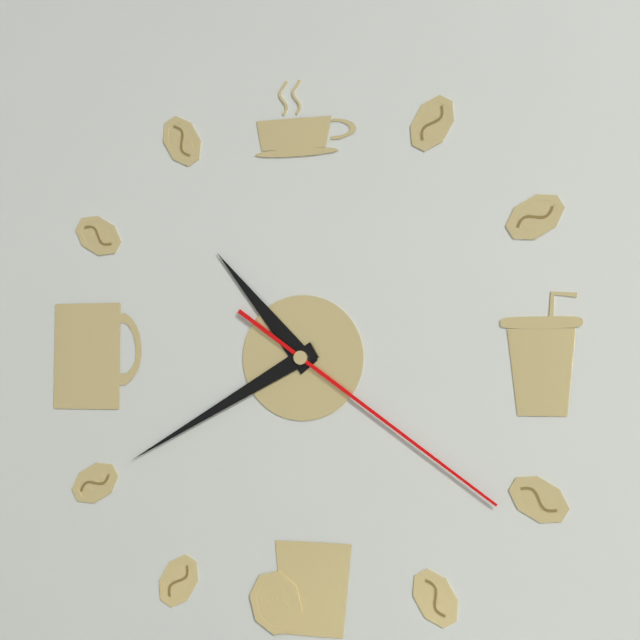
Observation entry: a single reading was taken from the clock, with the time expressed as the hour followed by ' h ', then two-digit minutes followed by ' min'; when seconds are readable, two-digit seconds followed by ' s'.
10 h 40 min 21 s
